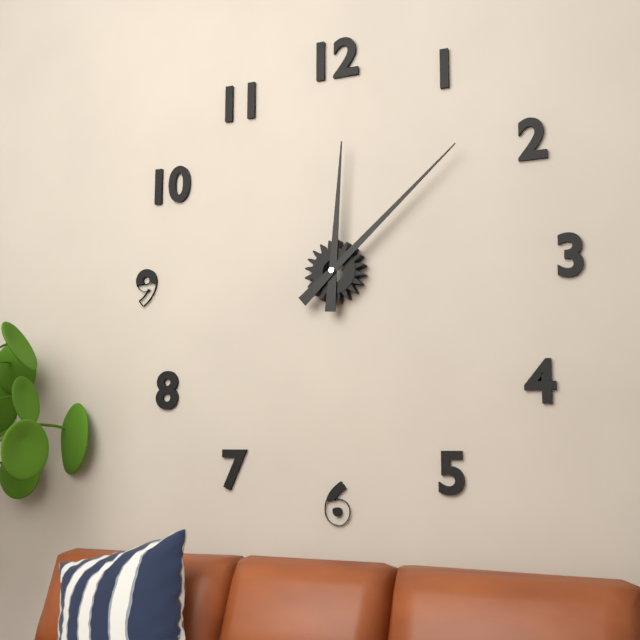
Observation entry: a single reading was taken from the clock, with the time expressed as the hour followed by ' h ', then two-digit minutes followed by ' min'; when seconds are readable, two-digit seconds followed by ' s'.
12 h 08 min
